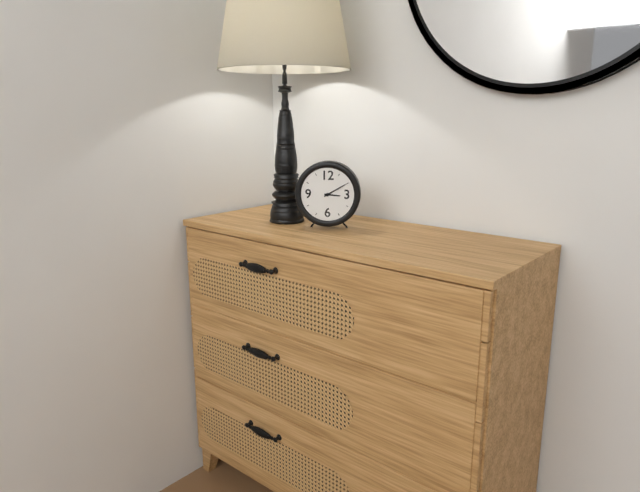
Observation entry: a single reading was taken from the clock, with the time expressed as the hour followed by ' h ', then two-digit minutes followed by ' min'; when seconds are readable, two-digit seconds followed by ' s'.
3 h 10 min
